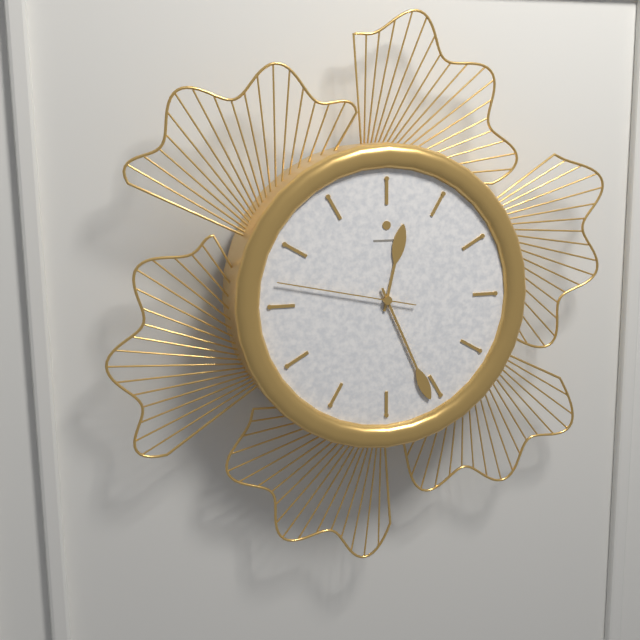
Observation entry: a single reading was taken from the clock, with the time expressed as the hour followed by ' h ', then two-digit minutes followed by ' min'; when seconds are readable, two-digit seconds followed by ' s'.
12 h 26 min 47 s
